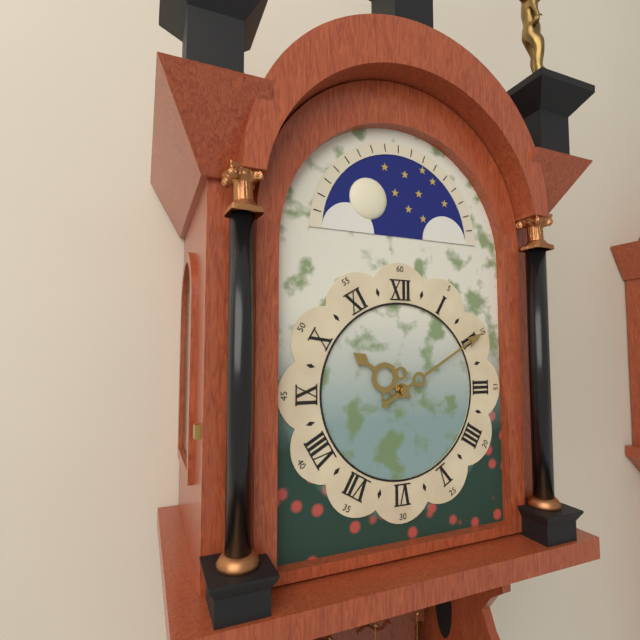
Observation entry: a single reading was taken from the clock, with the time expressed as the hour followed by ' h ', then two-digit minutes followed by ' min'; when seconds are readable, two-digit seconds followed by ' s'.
10 h 10 min
